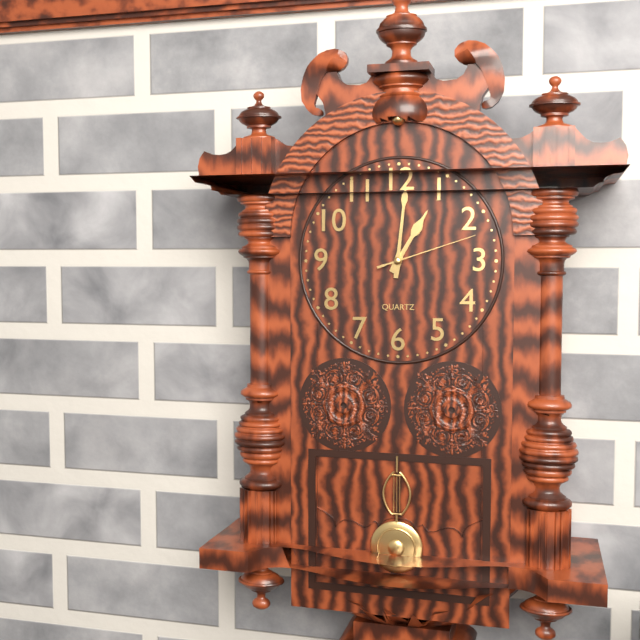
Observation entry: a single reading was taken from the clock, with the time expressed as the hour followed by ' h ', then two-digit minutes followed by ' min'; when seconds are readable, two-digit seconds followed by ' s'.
1 h 01 min 12 s
